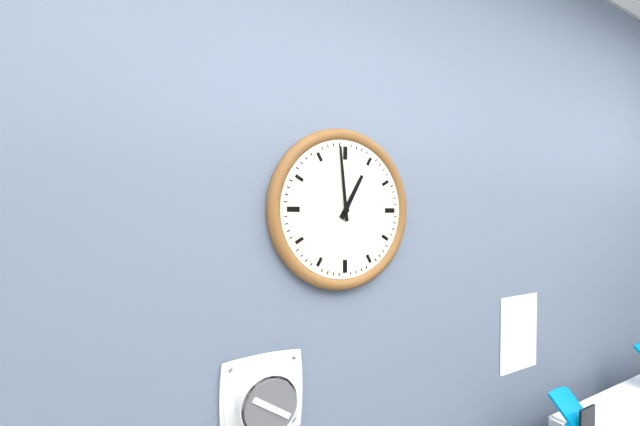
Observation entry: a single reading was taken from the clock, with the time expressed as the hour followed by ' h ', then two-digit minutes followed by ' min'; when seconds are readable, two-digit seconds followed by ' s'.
12 h 59 min
